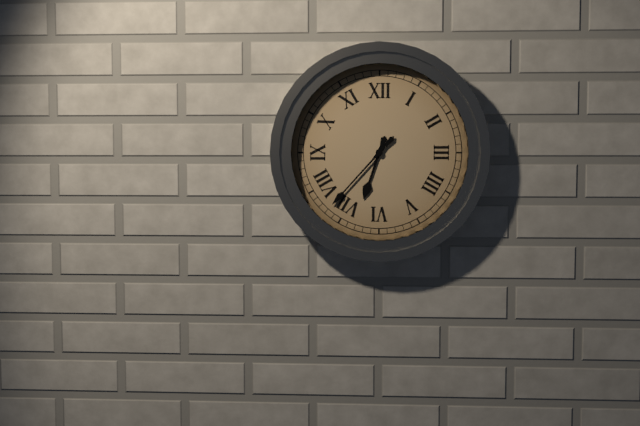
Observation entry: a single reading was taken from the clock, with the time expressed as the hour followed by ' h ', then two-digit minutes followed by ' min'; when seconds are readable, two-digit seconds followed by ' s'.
6 h 37 min
